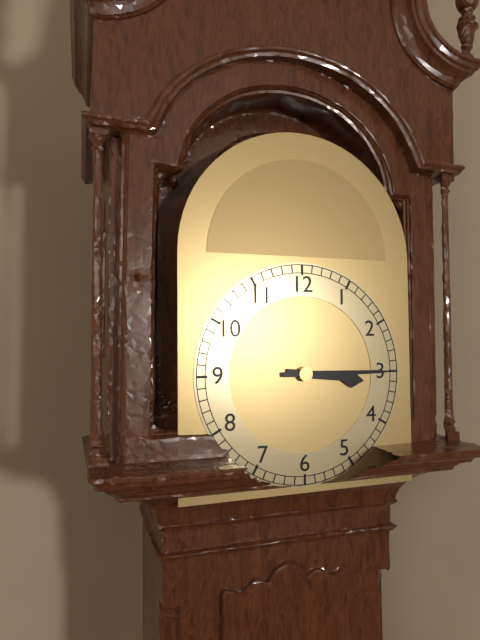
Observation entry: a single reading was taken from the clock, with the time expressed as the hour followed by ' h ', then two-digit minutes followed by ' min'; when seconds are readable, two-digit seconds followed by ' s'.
3 h 15 min
